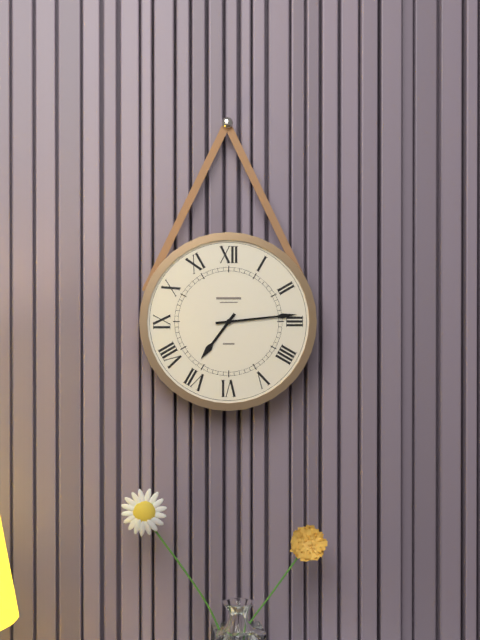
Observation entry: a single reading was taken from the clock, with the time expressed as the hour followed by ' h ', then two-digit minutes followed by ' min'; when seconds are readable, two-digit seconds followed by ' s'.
7 h 14 min
